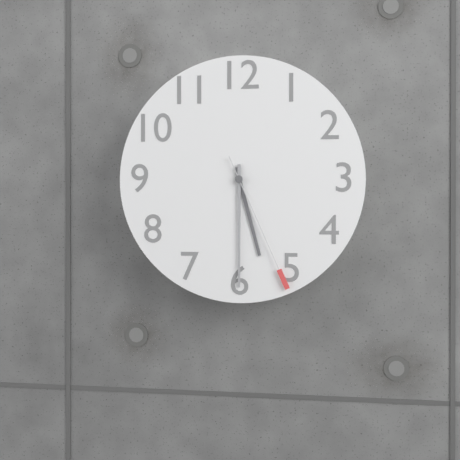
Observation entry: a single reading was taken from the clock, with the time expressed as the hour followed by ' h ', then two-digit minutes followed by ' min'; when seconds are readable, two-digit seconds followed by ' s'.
5 h 30 min 26 s
